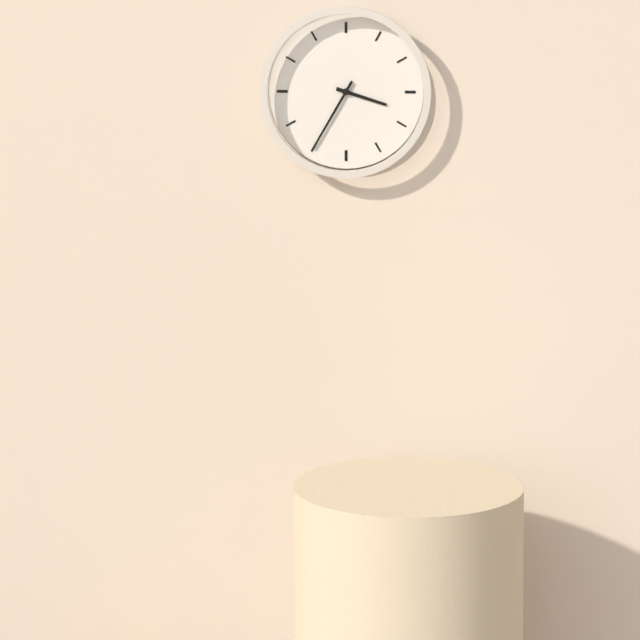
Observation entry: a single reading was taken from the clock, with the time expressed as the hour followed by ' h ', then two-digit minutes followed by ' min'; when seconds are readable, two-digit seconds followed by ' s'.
3 h 35 min
